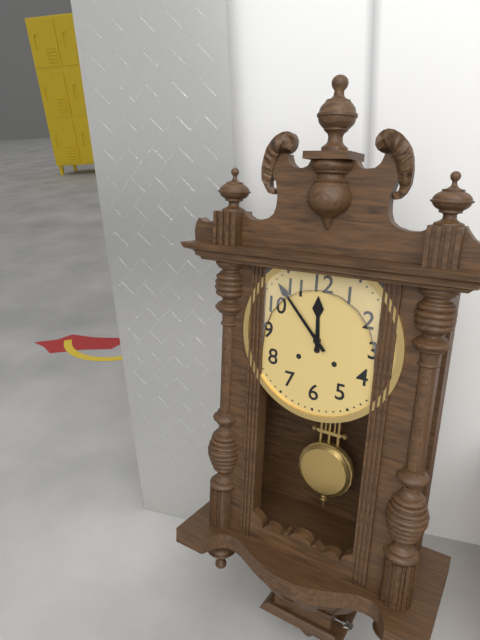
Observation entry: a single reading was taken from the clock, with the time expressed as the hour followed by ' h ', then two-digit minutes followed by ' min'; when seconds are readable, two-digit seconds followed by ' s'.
11 h 53 min
